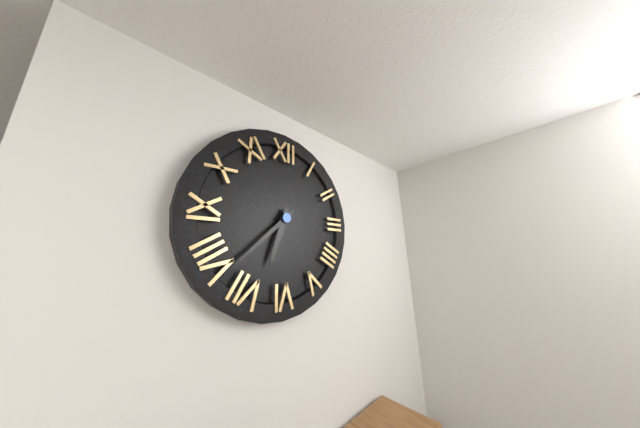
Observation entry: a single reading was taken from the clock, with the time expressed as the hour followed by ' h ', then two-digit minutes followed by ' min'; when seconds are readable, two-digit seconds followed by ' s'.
6 h 38 min
